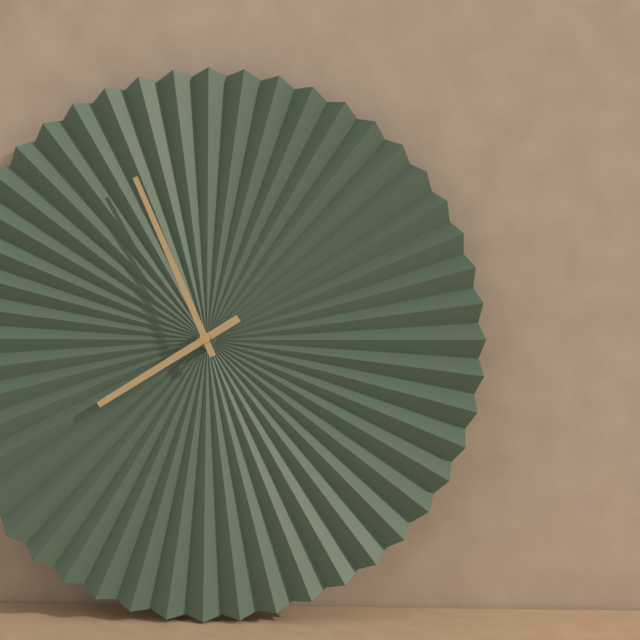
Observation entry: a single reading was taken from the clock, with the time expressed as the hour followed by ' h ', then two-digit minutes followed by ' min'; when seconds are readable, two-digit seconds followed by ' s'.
7 h 56 min
